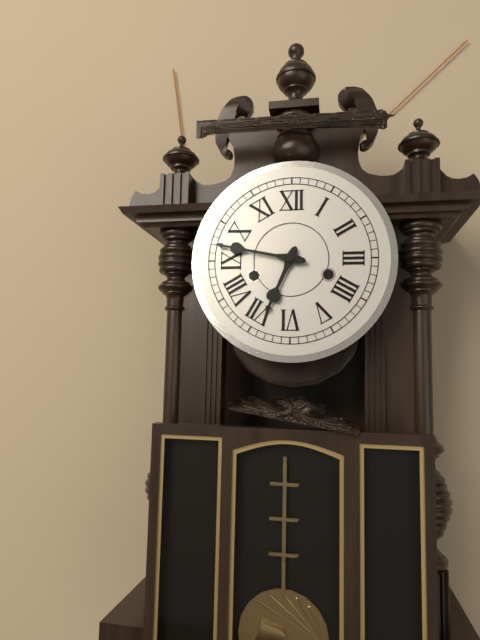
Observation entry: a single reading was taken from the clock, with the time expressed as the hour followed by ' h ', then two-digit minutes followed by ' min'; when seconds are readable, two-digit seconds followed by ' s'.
6 h 47 min
